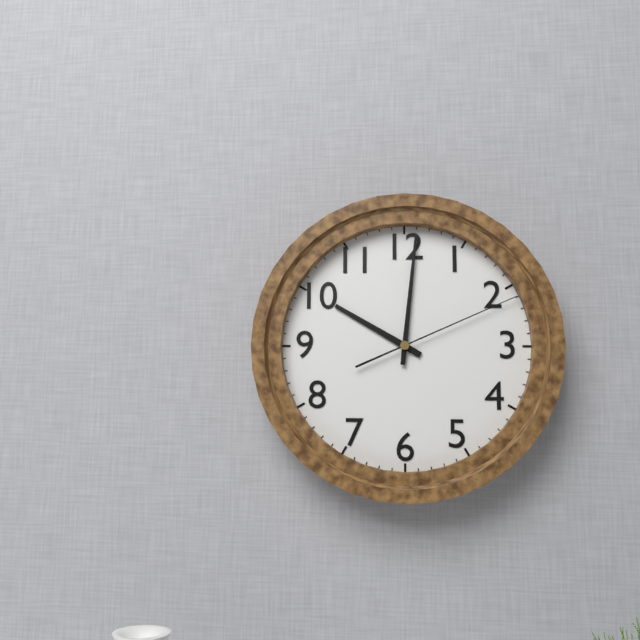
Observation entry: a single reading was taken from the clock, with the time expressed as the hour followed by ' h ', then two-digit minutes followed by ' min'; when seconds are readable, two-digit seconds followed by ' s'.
10 h 01 min 11 s
